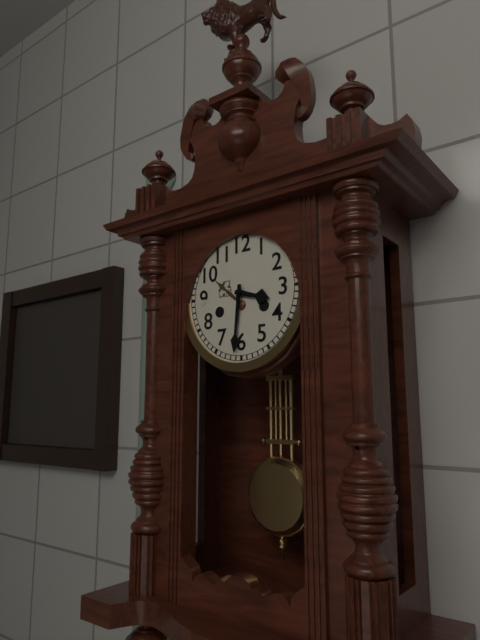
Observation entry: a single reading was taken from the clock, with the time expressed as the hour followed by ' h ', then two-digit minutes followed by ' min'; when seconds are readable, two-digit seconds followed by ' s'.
3 h 31 min
